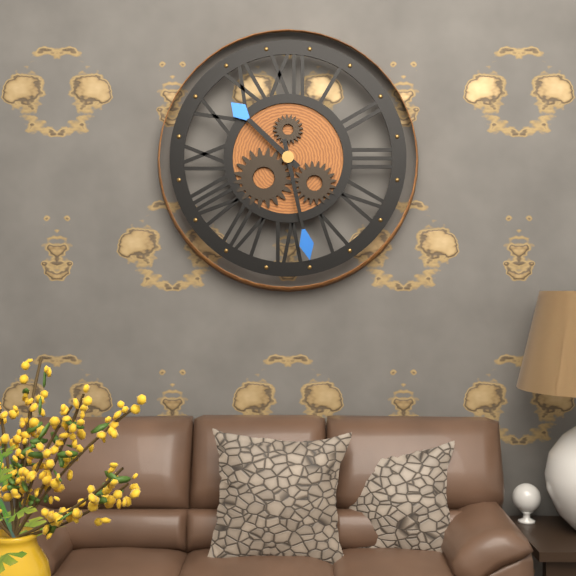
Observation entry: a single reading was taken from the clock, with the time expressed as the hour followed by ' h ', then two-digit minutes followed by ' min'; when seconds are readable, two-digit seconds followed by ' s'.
10 h 28 min
